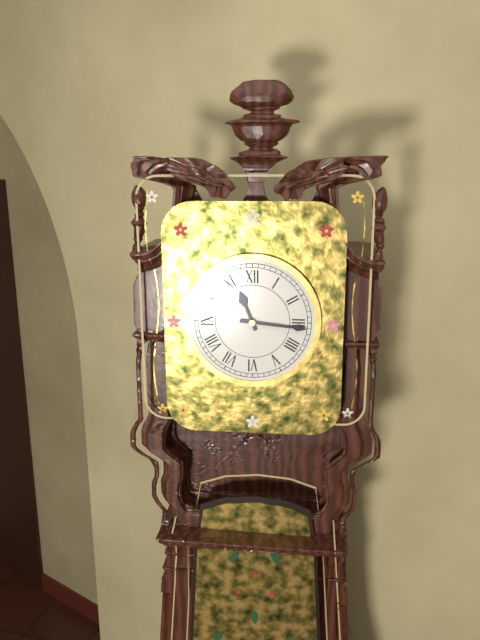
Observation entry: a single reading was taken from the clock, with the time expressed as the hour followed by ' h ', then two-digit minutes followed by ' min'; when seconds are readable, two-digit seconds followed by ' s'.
11 h 16 min
